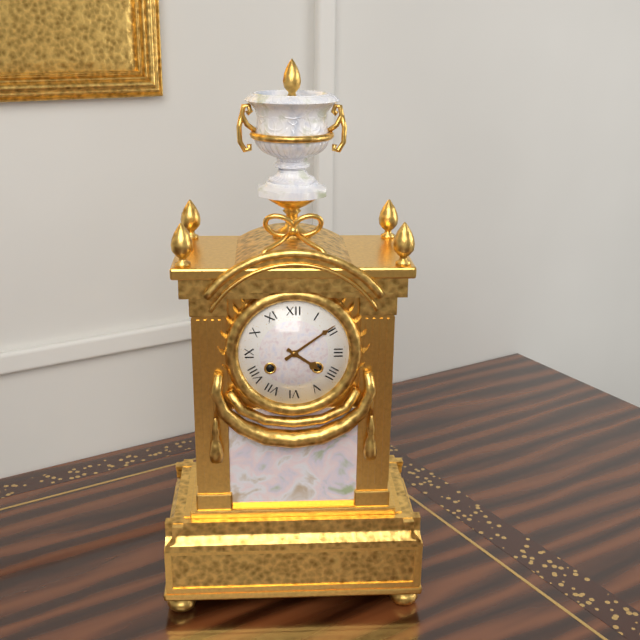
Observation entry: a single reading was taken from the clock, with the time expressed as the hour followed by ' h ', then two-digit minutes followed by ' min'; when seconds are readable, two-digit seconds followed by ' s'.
4 h 09 min
